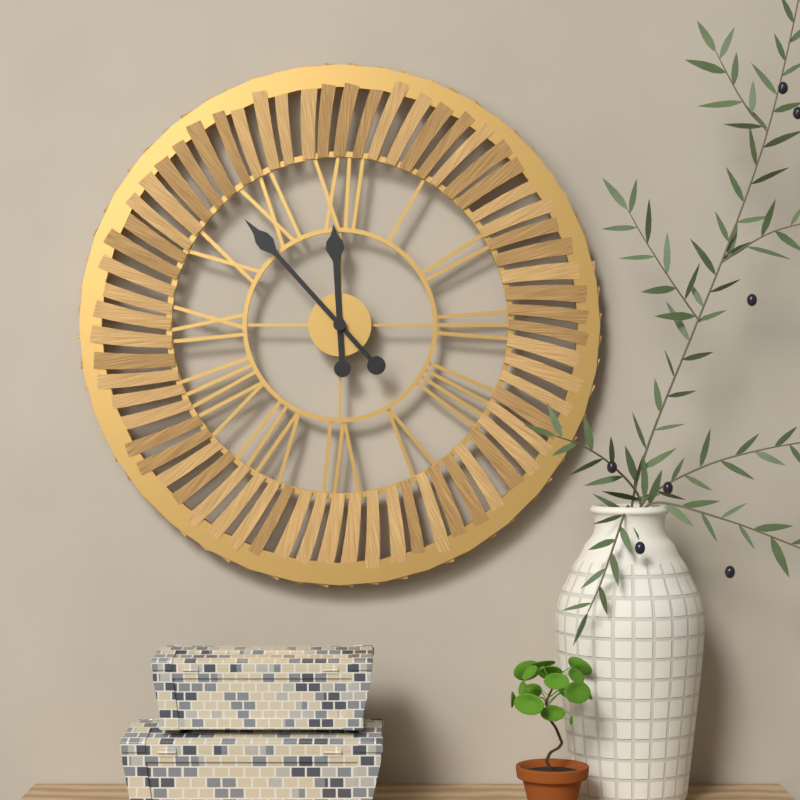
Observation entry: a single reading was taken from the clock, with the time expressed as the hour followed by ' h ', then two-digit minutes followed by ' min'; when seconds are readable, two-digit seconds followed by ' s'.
11 h 53 min
